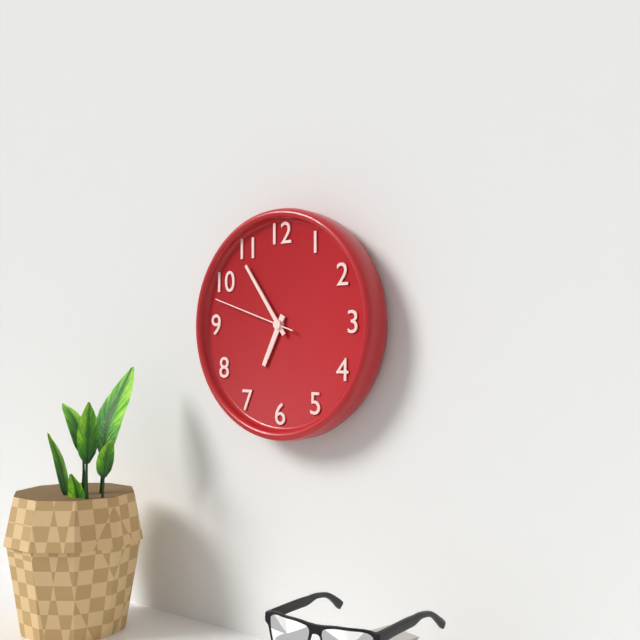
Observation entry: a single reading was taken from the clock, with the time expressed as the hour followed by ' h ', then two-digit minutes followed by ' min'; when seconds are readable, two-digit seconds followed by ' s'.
6 h 54 min 48 s
